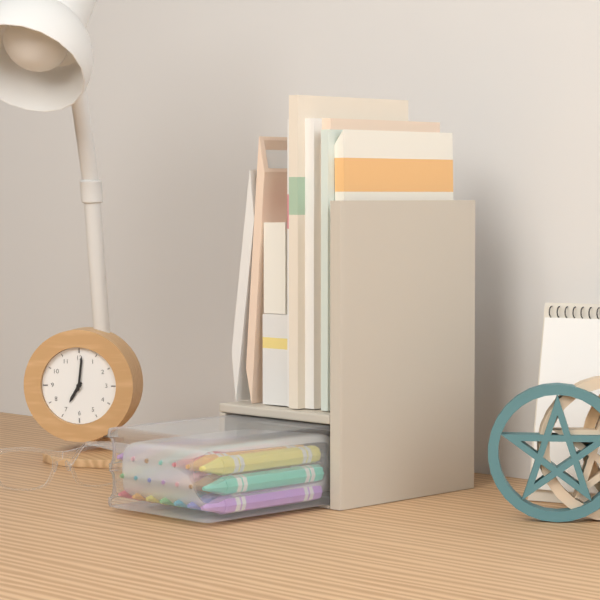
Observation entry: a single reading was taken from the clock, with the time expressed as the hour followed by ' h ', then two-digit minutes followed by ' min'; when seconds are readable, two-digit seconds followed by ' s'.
7 h 01 min
